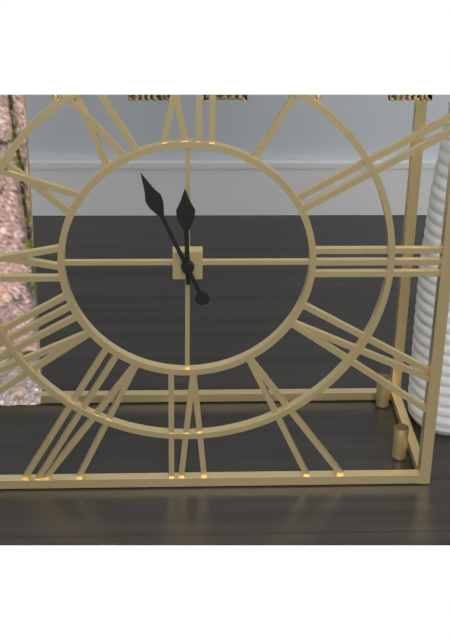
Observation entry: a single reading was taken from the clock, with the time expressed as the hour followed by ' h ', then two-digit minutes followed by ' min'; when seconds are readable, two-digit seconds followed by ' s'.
11 h 56 min
